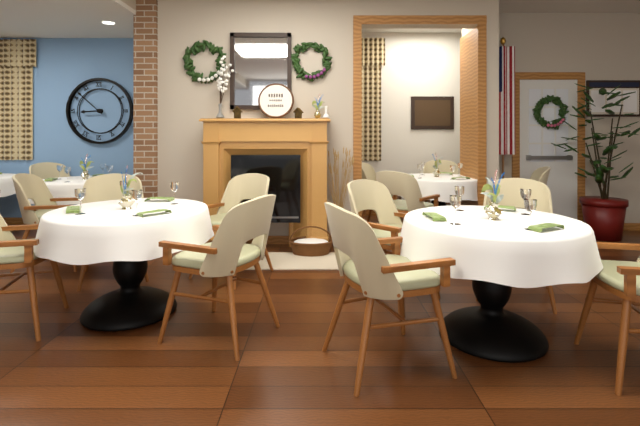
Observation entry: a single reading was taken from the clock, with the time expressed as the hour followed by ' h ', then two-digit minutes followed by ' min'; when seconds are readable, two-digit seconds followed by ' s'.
8 h 52 min
